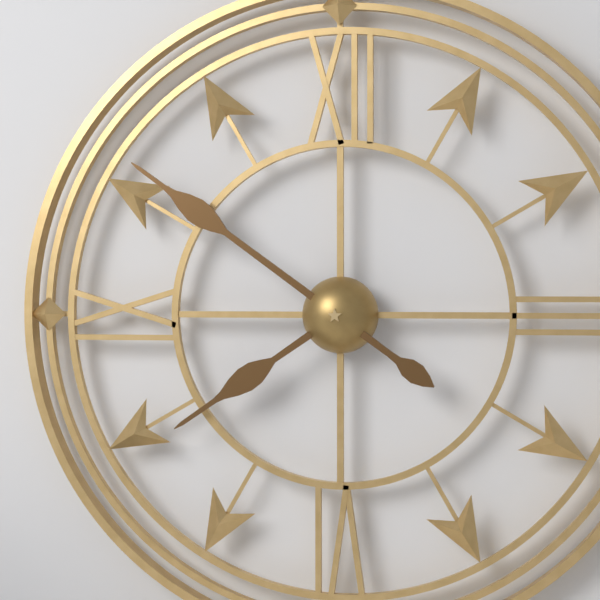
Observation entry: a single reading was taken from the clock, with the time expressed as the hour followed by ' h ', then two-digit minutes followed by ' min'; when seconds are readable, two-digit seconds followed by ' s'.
7 h 51 min
